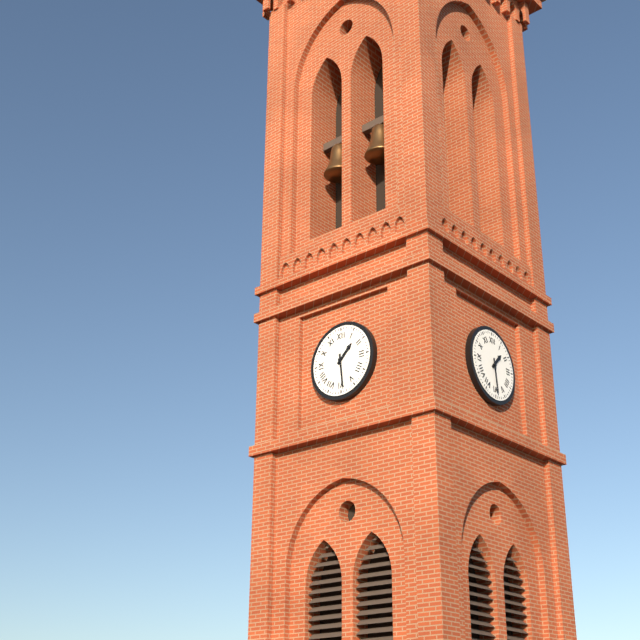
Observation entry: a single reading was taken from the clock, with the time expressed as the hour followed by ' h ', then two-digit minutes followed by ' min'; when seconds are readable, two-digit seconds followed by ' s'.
1 h 29 min
